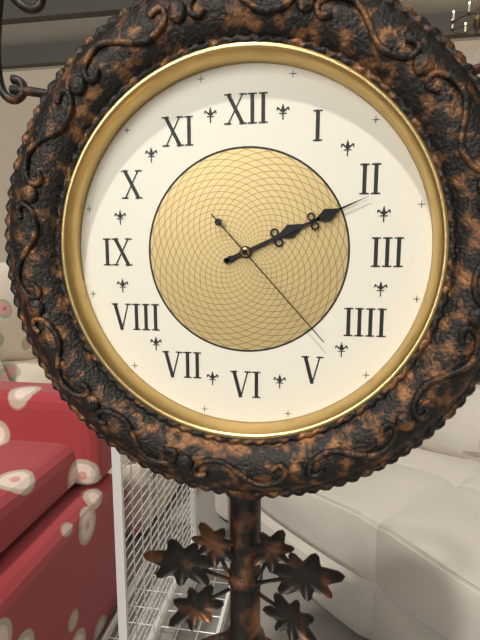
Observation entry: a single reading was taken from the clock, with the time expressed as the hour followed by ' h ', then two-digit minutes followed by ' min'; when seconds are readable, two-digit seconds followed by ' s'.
2 h 11 min 23 s
